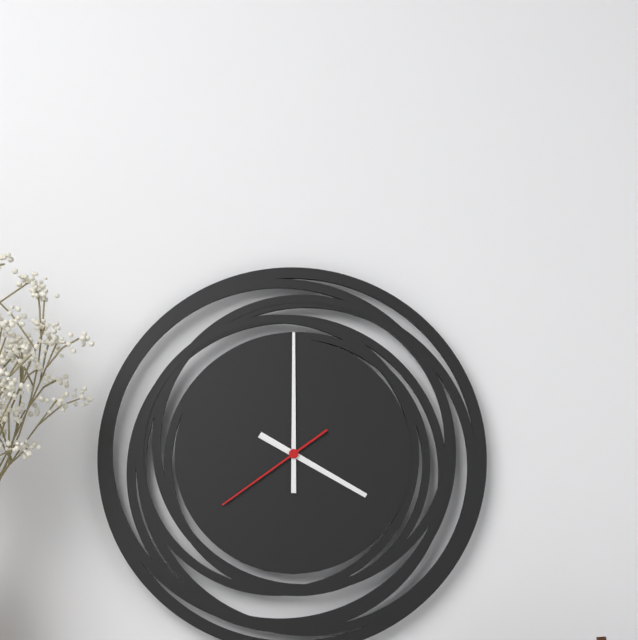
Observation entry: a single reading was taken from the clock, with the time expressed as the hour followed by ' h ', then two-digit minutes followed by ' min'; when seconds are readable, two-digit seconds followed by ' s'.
4 h 00 min 39 s
